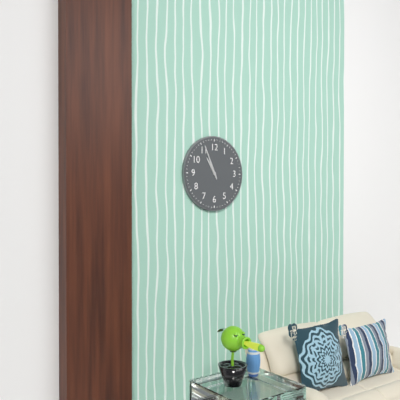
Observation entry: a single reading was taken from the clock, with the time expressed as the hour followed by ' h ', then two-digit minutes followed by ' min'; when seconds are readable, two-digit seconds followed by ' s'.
10 h 56 min
